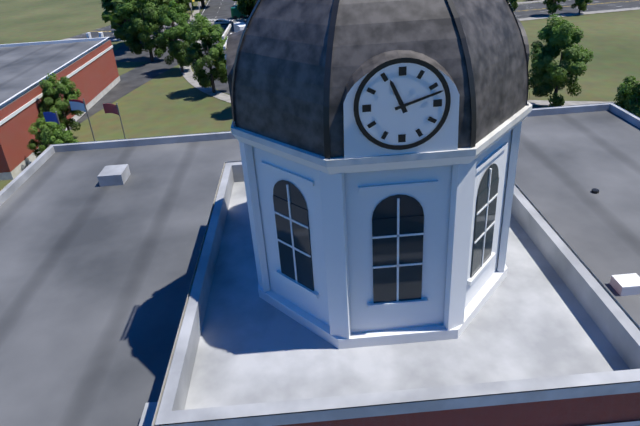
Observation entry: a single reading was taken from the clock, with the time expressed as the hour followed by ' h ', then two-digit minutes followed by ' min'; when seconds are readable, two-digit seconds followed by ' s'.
11 h 12 min
